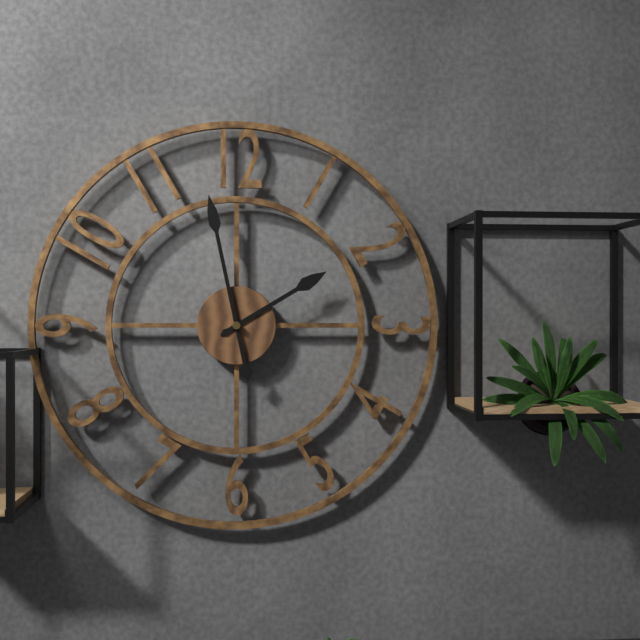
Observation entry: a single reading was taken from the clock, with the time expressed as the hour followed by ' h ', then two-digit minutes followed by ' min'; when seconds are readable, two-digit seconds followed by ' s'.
1 h 58 min
